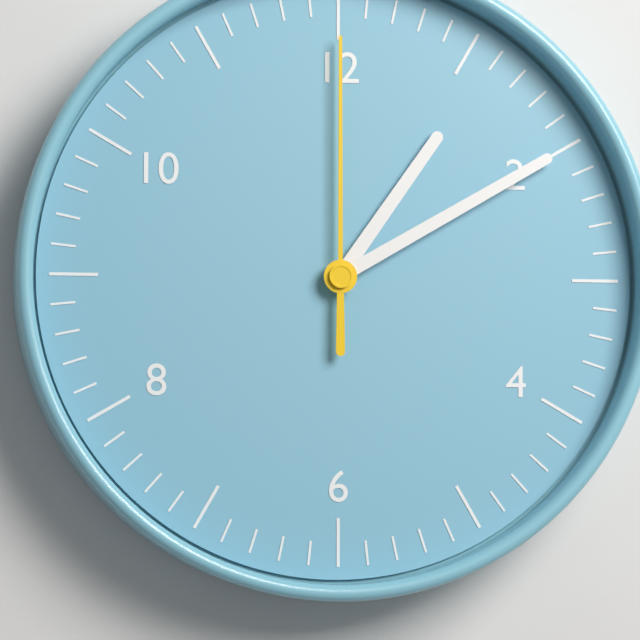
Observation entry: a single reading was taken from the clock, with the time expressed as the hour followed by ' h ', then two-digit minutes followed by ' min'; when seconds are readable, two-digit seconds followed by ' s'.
1 h 10 min 00 s
